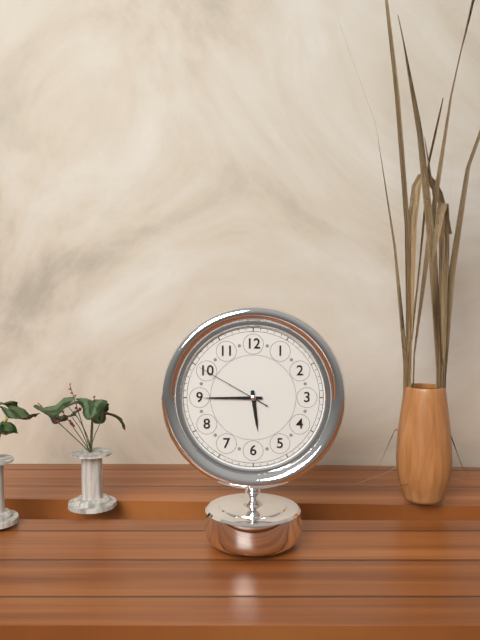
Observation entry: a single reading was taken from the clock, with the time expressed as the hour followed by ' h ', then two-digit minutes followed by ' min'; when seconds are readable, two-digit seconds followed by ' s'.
5 h 45 min 50 s
